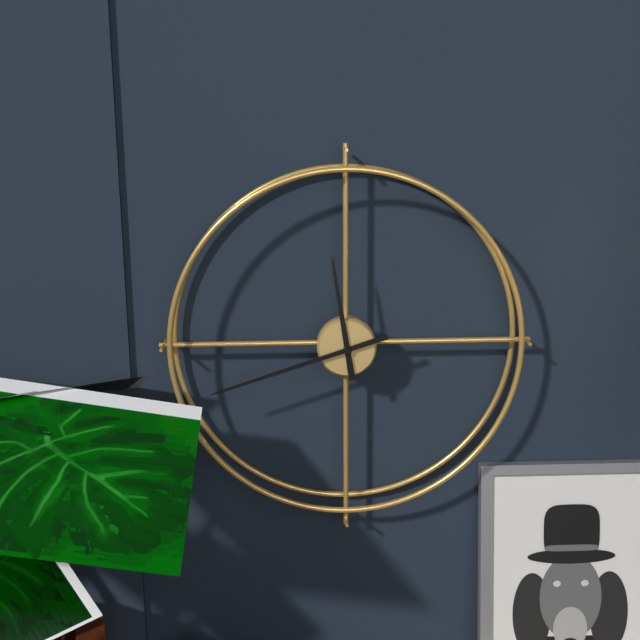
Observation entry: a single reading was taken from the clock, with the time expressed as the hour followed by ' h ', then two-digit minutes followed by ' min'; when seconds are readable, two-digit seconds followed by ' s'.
11 h 42 min
